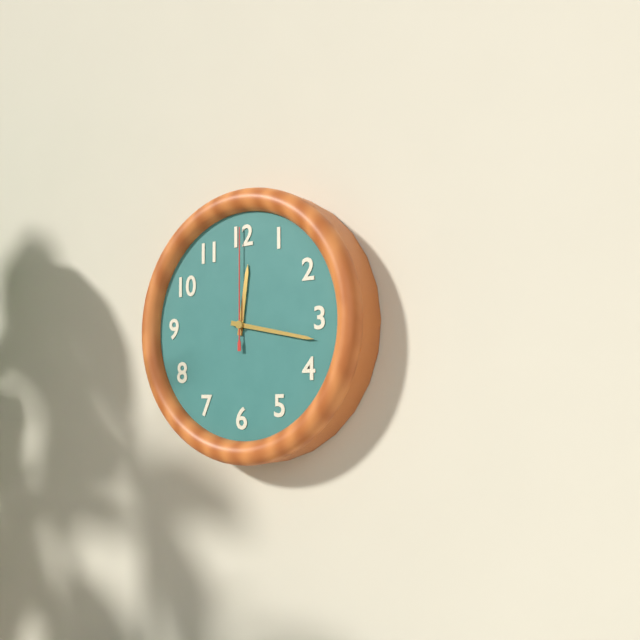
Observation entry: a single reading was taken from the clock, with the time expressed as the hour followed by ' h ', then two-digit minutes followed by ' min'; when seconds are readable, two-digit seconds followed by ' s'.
12 h 17 min 00 s
